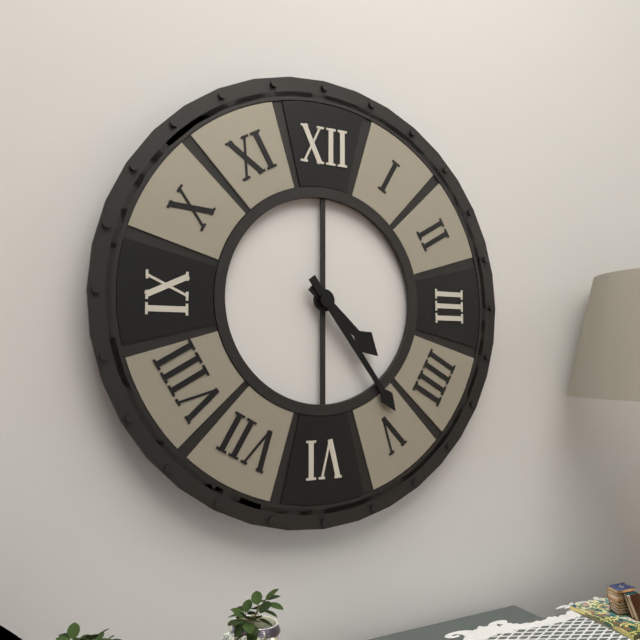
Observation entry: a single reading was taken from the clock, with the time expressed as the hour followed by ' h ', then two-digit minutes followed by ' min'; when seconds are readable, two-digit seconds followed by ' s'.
4 h 24 min
